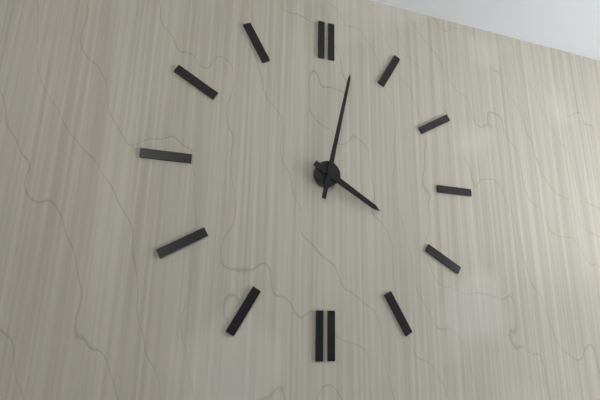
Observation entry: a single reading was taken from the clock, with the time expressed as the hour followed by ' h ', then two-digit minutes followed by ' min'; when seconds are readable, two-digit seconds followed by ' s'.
4 h 02 min
